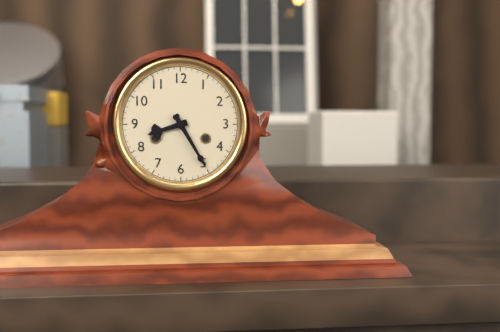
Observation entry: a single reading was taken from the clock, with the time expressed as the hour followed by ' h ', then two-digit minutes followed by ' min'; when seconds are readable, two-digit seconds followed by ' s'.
8 h 25 min
